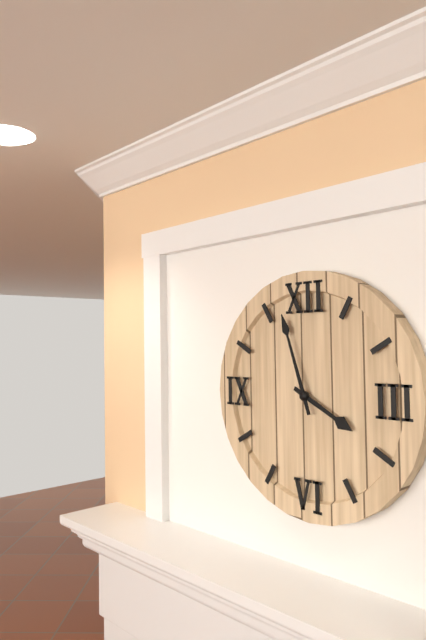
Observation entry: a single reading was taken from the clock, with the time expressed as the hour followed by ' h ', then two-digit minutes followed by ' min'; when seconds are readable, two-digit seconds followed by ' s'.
3 h 57 min
